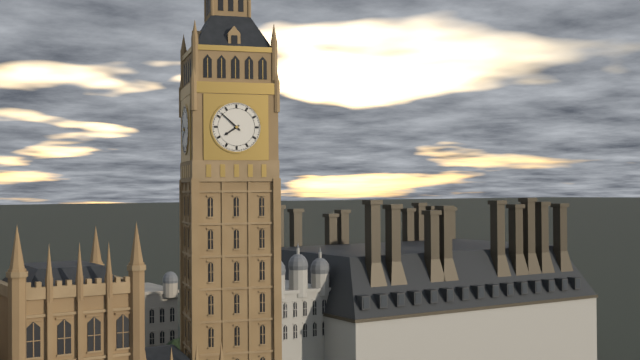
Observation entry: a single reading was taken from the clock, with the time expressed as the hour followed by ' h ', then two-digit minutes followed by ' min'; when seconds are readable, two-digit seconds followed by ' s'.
7 h 52 min
